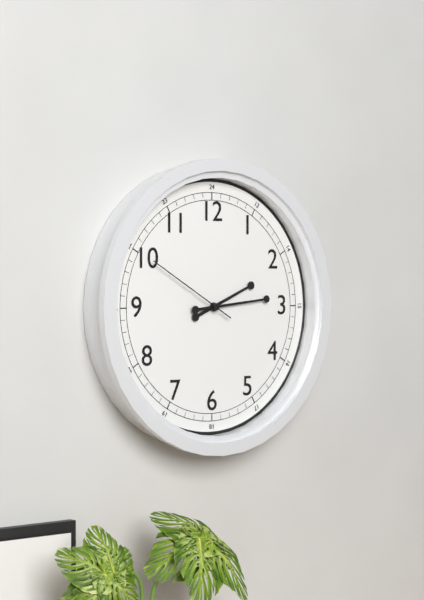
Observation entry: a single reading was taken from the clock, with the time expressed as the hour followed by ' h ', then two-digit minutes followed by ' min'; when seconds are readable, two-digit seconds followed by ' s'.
2 h 14 min 50 s
